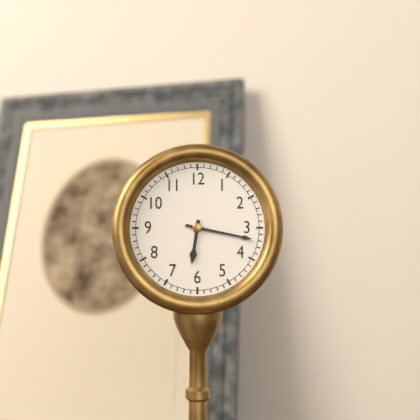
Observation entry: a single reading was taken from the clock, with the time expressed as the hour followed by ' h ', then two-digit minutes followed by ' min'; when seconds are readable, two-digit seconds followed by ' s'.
6 h 17 min
